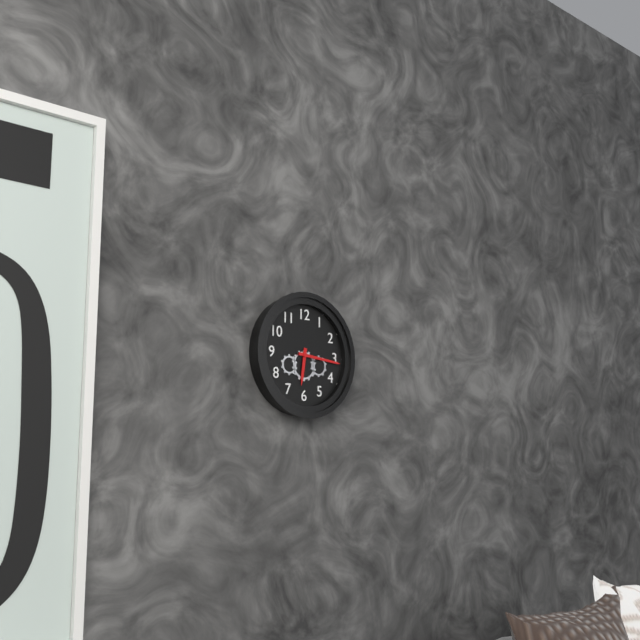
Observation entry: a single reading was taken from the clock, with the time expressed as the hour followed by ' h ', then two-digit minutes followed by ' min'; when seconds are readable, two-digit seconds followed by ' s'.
6 h 16 min
